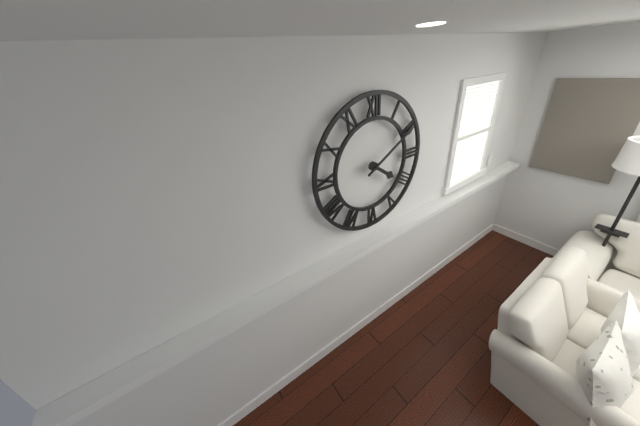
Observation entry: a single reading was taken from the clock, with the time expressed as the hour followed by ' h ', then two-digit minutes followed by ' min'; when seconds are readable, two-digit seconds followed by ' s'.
4 h 10 min
